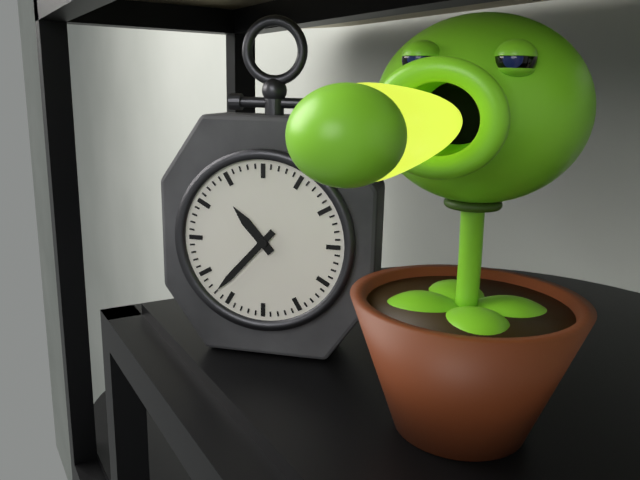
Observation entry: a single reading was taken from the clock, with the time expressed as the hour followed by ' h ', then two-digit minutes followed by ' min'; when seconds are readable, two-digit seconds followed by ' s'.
10 h 37 min
